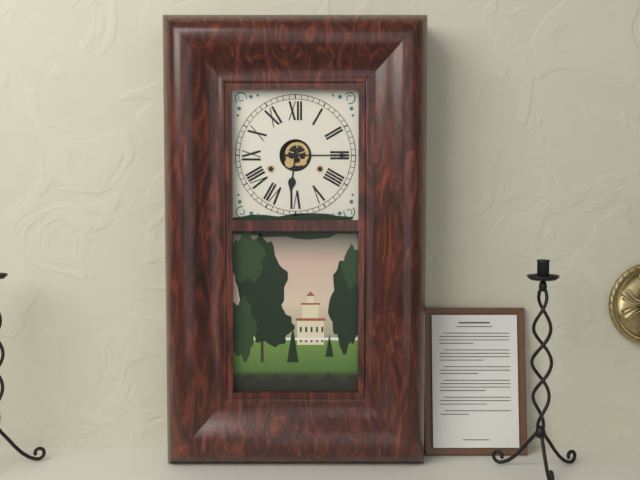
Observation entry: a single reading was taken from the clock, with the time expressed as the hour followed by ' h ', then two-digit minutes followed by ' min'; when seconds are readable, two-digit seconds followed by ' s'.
6 h 15 min
